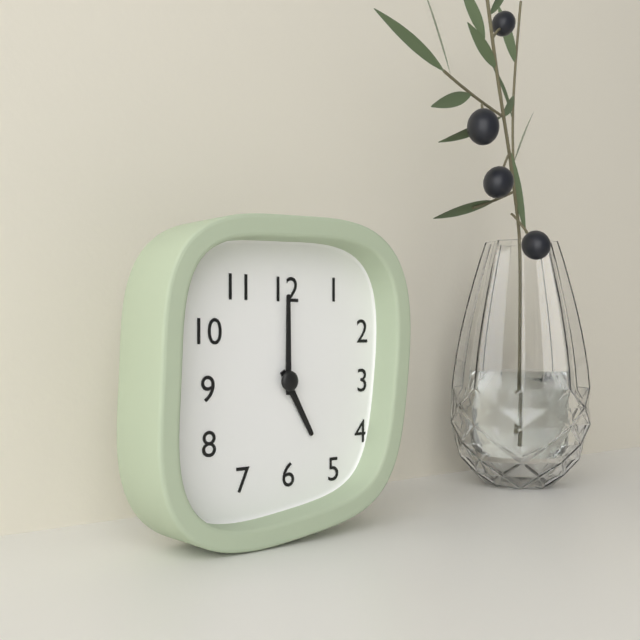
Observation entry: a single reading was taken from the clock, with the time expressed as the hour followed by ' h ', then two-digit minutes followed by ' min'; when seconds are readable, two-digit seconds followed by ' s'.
5 h 00 min
